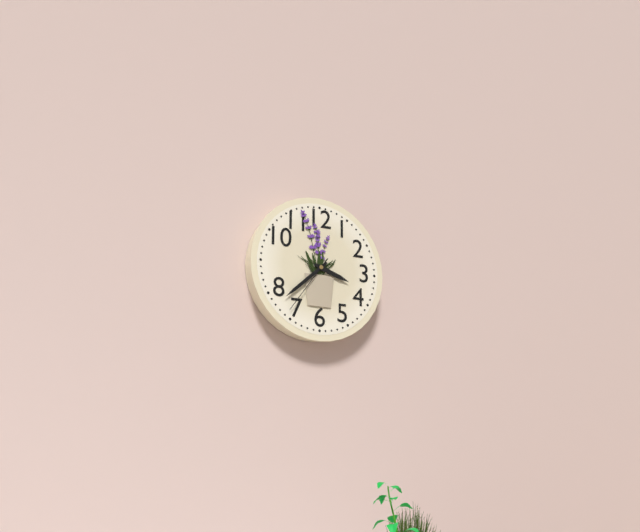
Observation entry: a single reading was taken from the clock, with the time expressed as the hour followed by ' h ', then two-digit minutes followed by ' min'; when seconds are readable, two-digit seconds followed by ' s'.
3 h 38 min 36 s
